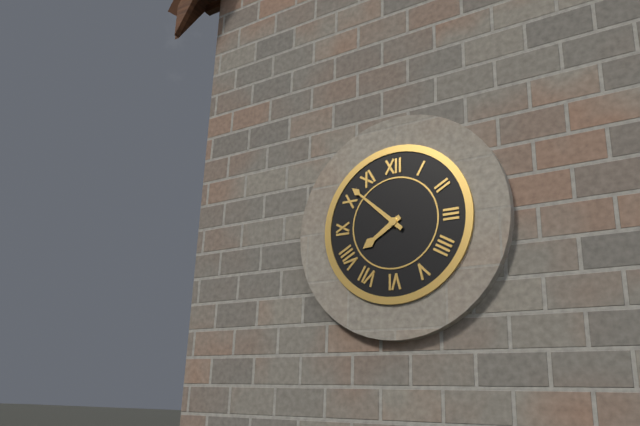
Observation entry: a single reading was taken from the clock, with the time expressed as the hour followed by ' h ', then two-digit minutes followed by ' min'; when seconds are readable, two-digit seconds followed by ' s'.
7 h 52 min
